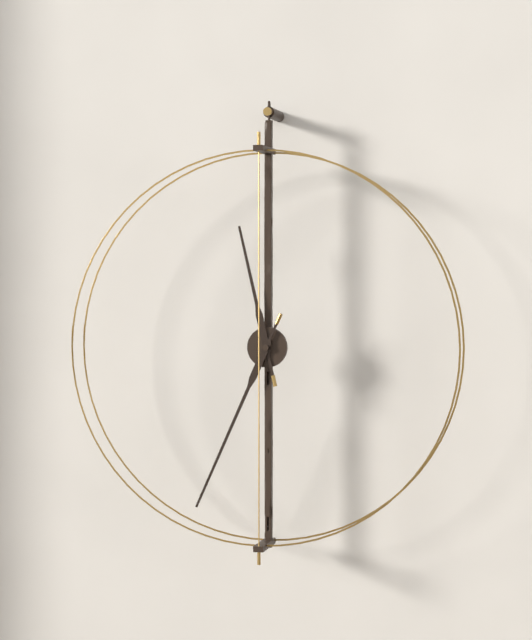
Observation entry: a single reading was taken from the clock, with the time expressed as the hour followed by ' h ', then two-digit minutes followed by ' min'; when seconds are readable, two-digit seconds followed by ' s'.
11 h 34 min
